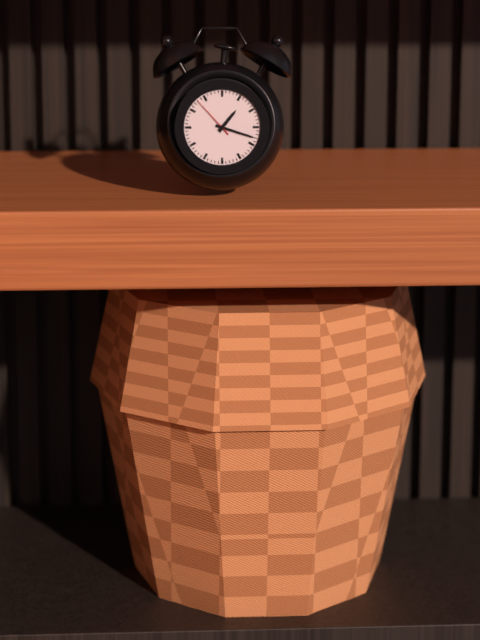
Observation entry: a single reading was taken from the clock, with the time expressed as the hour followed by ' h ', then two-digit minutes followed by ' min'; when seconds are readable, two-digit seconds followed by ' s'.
1 h 18 min
